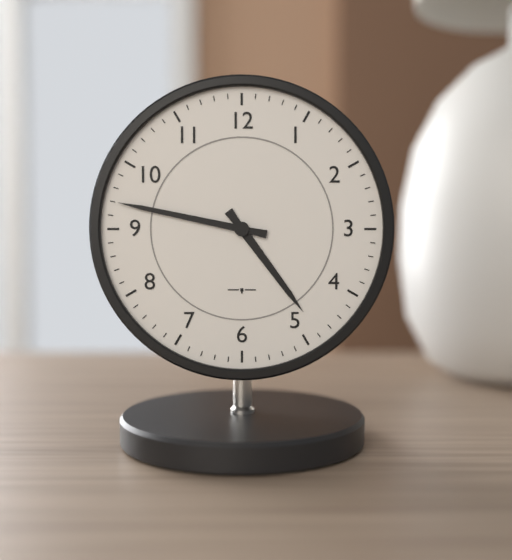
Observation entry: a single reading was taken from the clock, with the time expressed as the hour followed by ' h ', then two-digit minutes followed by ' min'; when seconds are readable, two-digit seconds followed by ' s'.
4 h 47 min
